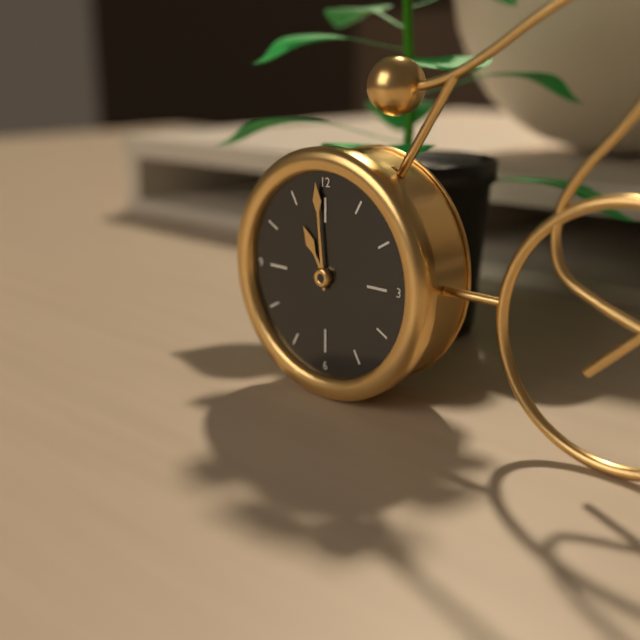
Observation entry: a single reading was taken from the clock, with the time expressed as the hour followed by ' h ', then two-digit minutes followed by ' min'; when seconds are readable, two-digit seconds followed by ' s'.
10 h 59 min
